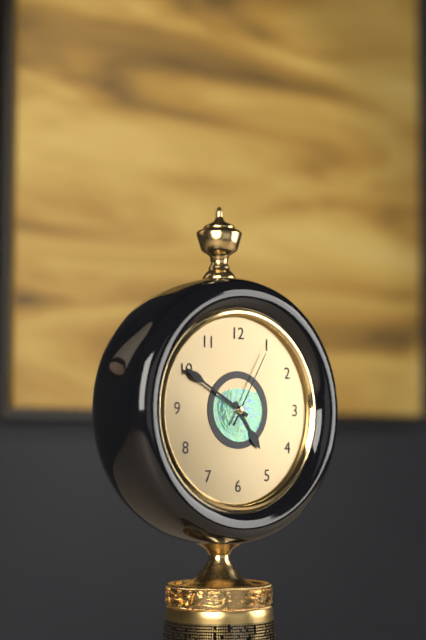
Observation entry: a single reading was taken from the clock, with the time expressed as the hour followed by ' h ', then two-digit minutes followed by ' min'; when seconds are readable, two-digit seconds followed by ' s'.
4 h 50 min 05 s
